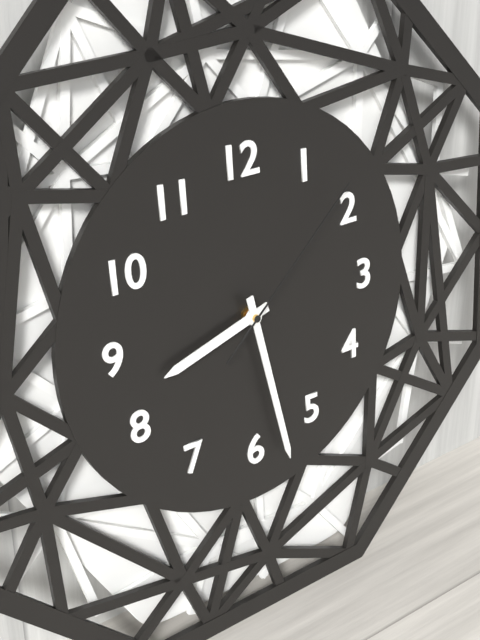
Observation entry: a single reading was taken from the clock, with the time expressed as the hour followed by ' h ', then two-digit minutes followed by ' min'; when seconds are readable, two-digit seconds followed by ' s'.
8 h 28 min 08 s
